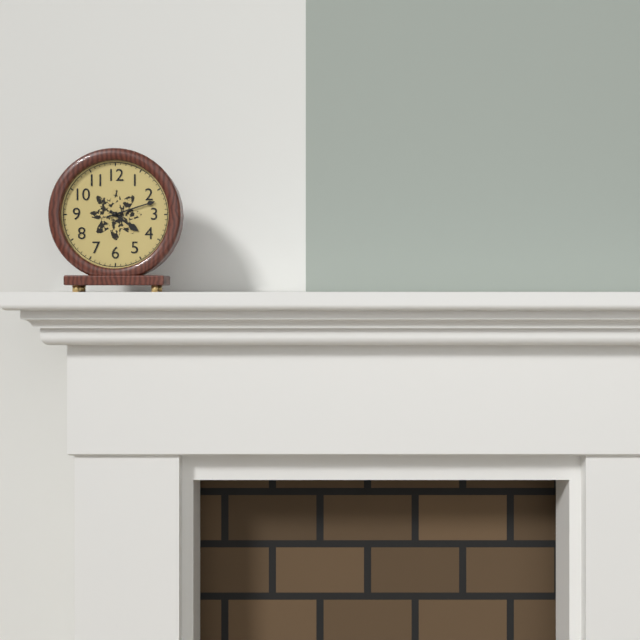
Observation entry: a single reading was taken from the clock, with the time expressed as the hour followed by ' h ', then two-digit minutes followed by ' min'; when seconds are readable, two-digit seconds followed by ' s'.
4 h 12 min
